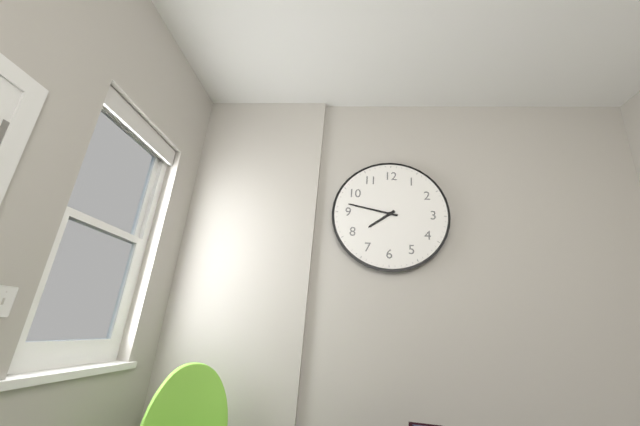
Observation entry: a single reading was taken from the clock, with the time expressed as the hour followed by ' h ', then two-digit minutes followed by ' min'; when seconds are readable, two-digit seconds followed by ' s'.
7 h 47 min
